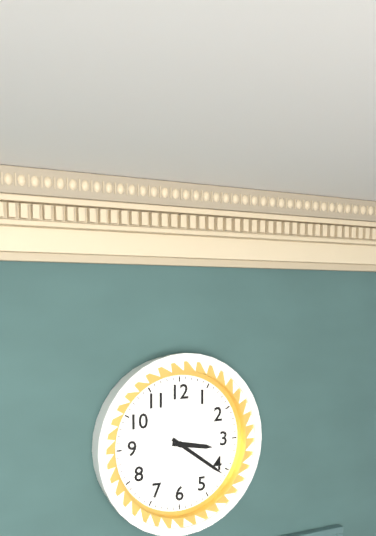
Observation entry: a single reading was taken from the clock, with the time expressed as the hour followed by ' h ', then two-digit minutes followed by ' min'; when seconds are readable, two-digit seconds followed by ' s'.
3 h 21 min
